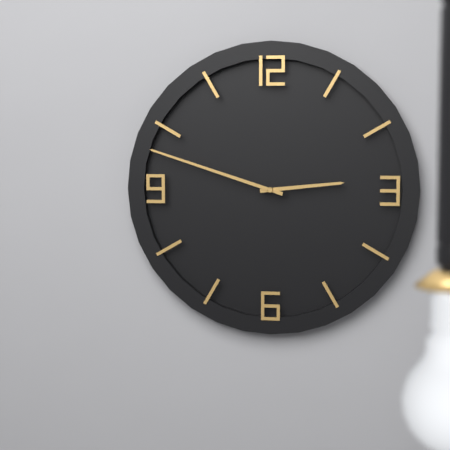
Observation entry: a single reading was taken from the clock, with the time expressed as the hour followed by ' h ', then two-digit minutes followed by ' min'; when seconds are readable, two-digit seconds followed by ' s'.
2 h 48 min
